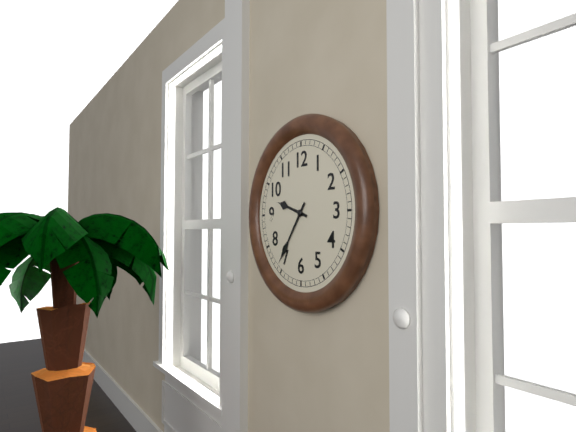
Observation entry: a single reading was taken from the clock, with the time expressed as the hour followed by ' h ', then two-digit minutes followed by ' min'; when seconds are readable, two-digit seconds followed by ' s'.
9 h 36 min
